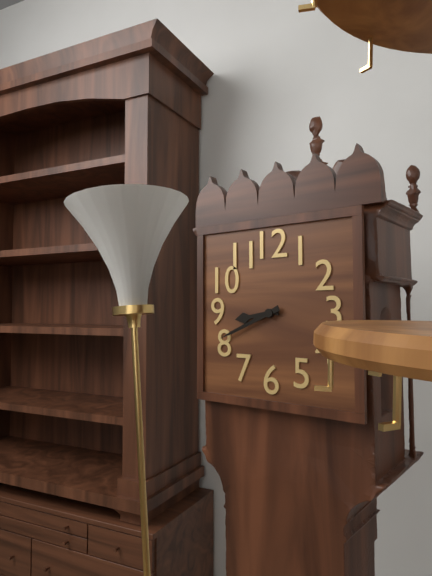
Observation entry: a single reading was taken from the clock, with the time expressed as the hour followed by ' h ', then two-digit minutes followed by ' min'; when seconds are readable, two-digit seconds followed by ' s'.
8 h 41 min
